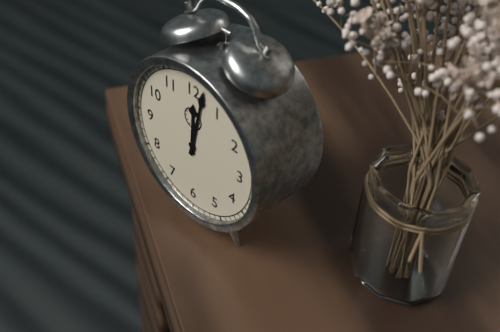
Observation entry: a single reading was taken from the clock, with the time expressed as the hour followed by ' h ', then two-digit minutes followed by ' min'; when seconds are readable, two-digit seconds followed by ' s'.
12 h 02 min
